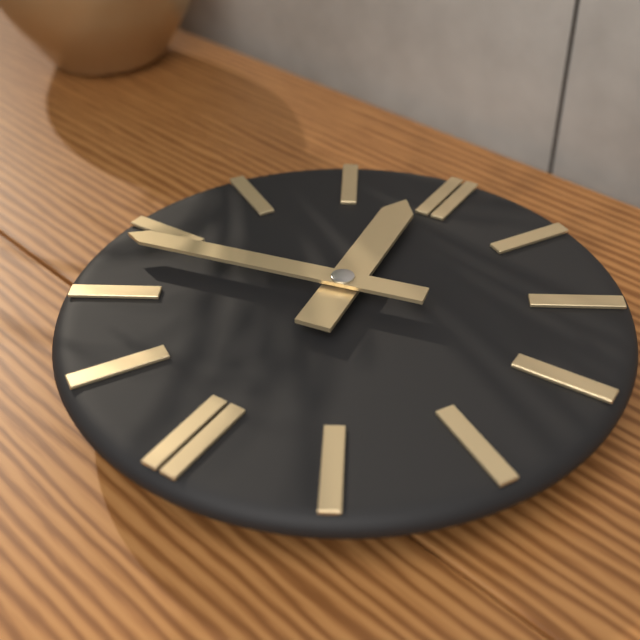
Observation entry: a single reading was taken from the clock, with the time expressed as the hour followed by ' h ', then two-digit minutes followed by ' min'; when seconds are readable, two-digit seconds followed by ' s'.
11 h 43 min
